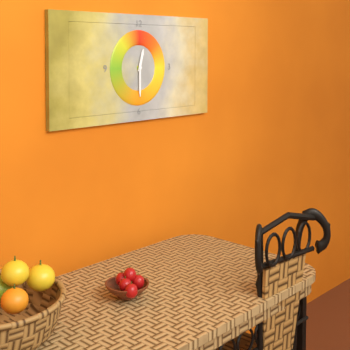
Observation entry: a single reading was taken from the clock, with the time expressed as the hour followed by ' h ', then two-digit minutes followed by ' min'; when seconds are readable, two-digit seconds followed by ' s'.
12 h 30 min
